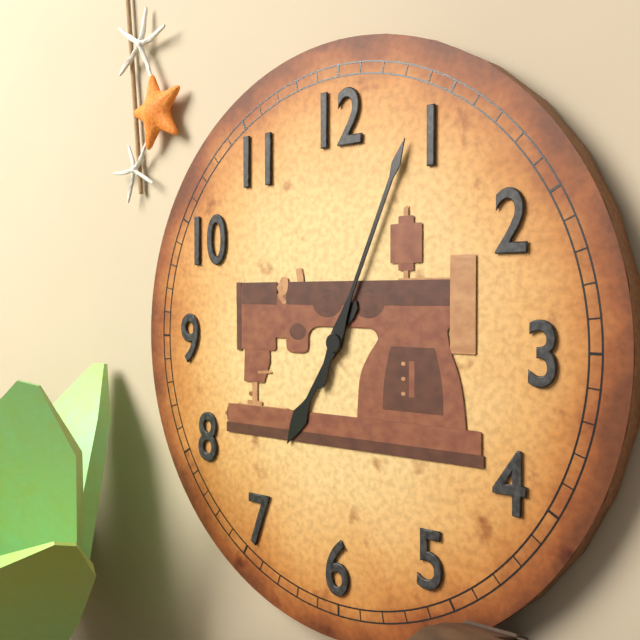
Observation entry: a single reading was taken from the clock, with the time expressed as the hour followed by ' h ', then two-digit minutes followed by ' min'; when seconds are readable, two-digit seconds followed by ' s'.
7 h 04 min
